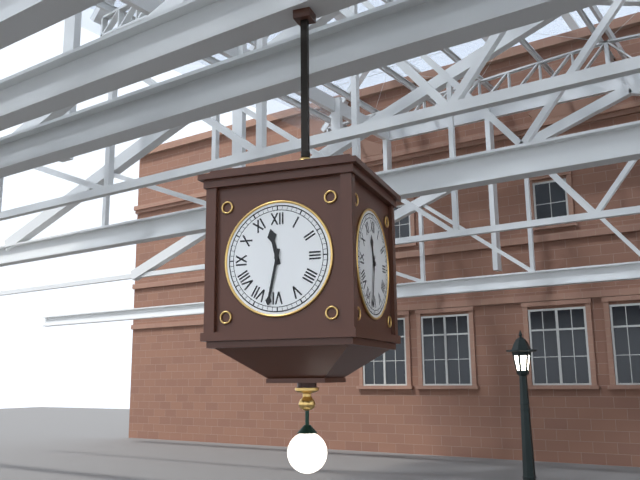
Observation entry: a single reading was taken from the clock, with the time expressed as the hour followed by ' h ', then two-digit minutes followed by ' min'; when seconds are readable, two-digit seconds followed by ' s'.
11 h 32 min
